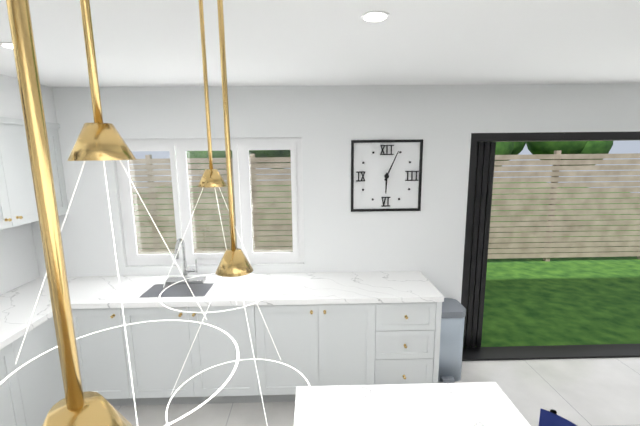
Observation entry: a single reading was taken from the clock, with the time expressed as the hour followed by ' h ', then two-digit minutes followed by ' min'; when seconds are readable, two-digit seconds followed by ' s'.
6 h 04 min
